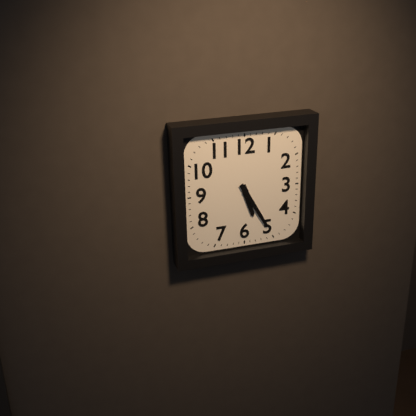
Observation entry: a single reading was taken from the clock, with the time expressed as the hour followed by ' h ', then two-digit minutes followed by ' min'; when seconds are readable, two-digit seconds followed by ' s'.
5 h 25 min
